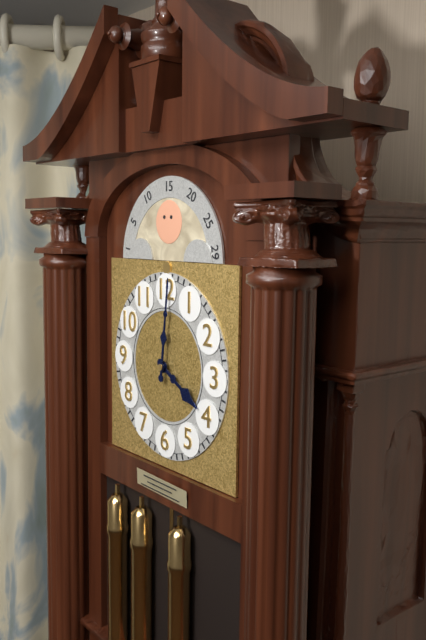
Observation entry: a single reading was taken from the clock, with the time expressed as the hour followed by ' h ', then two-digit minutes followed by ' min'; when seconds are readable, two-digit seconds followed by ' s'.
4 h 01 min
